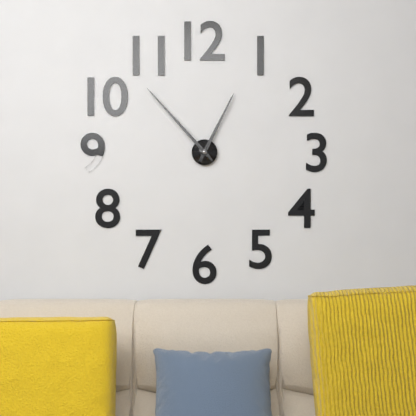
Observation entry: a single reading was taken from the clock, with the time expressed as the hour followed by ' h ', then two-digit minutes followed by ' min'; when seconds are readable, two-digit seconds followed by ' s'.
12 h 53 min
